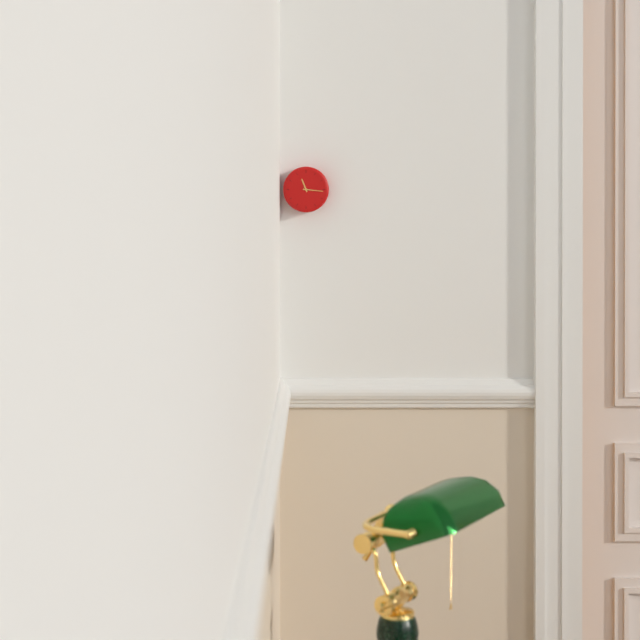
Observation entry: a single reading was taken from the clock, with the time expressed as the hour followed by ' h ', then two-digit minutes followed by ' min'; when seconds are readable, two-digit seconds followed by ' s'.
11 h 16 min
